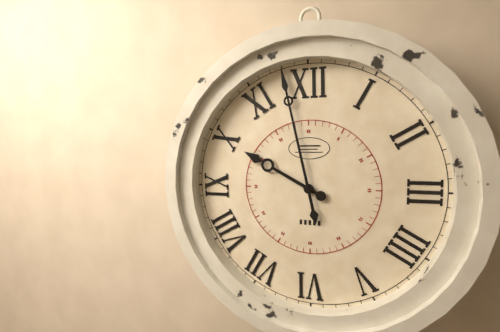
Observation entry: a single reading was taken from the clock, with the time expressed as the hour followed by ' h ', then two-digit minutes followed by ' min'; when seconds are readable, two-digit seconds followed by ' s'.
9 h 58 min
